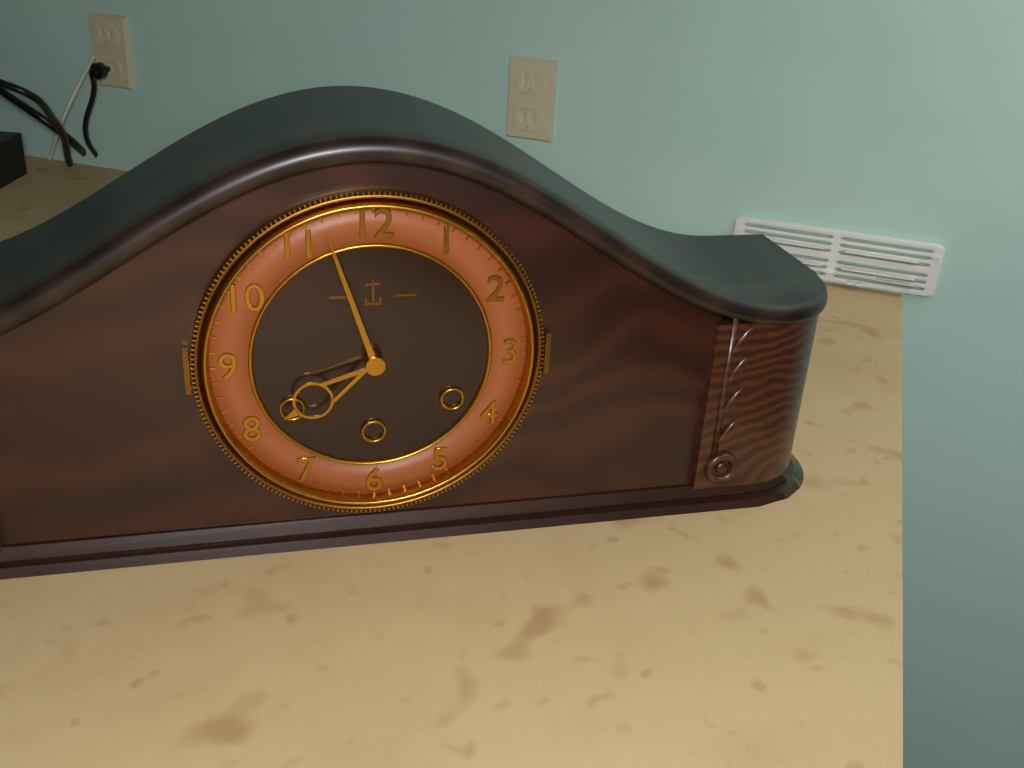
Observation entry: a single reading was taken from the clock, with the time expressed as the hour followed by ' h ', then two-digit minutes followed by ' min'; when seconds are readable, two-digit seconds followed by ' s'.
7 h 57 min
